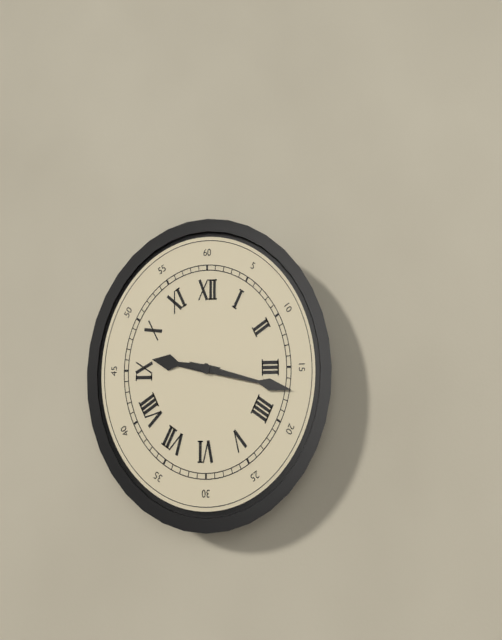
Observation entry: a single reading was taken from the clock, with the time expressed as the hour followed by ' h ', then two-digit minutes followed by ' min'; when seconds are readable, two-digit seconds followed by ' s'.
9 h 17 min
